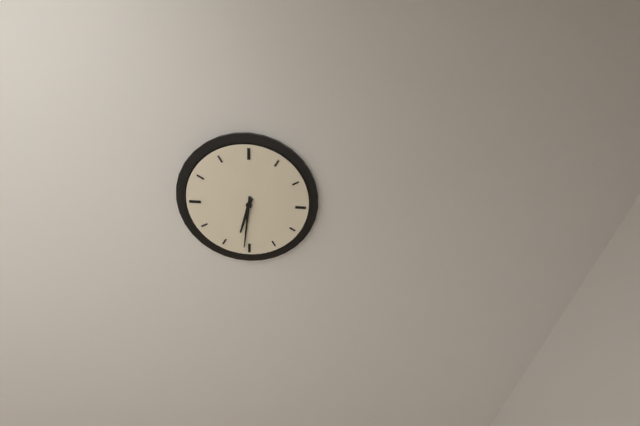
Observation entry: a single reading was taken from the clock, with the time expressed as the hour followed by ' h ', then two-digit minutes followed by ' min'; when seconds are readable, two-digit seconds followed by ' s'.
6 h 31 min
